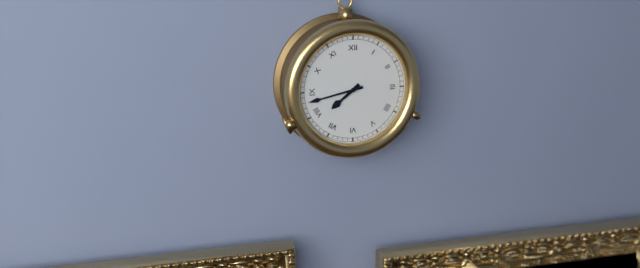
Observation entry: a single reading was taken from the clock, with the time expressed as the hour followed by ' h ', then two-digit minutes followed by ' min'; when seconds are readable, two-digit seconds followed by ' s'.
7 h 43 min
